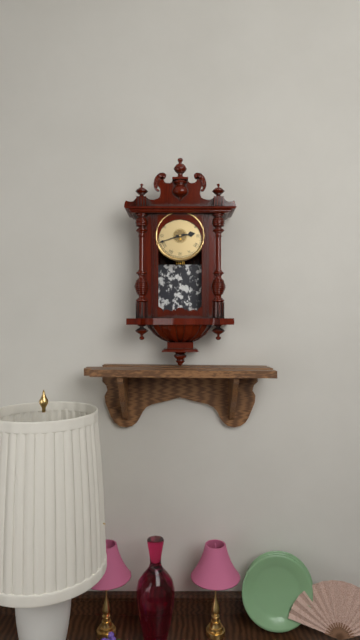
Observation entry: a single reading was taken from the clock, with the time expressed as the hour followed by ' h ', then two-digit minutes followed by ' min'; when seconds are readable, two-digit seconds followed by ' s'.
2 h 42 min
